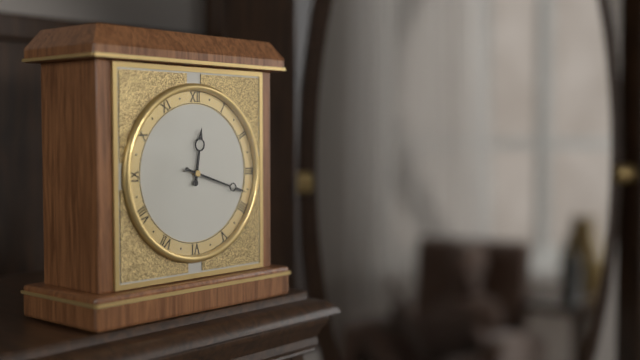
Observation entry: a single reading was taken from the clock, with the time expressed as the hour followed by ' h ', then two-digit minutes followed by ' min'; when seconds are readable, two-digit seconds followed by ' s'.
12 h 18 min
